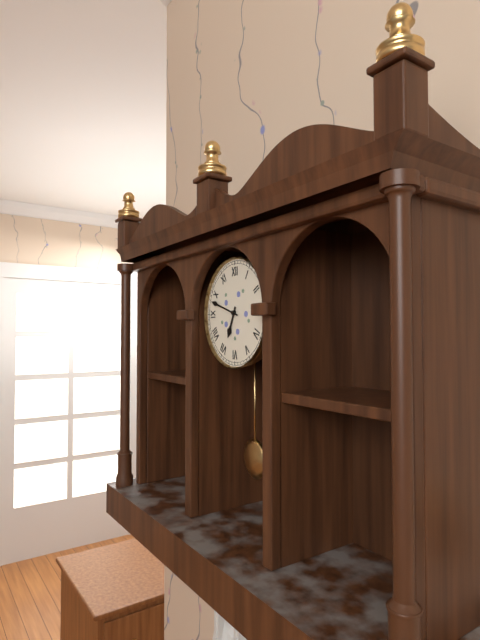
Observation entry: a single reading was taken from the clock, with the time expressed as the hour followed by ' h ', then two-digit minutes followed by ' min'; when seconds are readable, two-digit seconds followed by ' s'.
6 h 48 min
